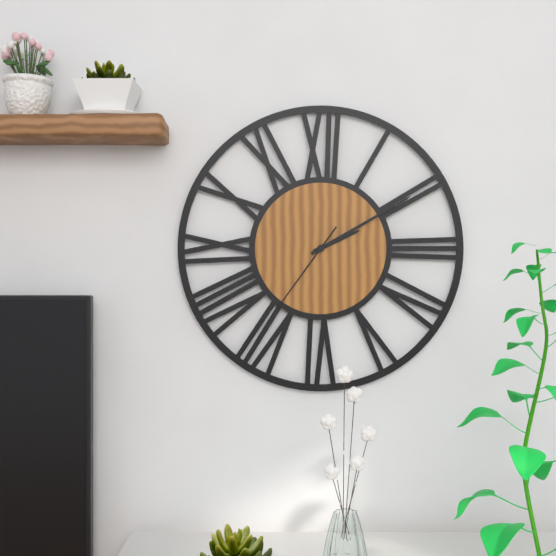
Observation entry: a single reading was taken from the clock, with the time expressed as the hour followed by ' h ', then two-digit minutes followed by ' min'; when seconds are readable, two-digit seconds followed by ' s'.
2 h 10 min 36 s
